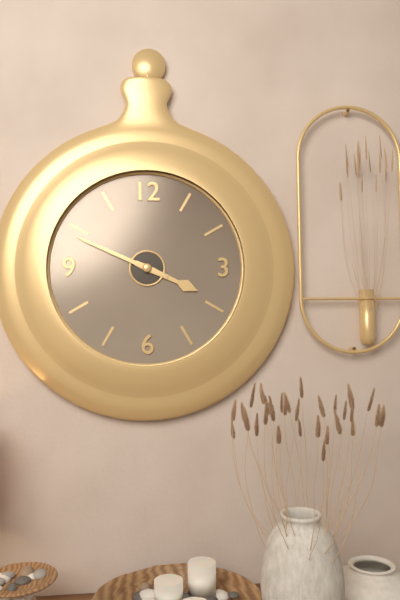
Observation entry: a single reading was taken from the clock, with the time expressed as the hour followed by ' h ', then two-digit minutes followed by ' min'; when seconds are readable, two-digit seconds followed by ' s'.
3 h 49 min
